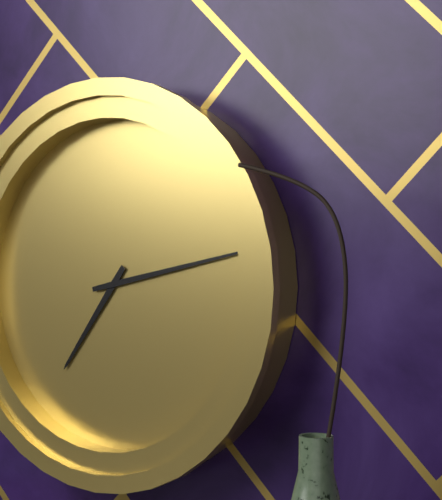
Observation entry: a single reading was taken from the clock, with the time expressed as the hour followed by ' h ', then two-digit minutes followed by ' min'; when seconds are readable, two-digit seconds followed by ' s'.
7 h 13 min
